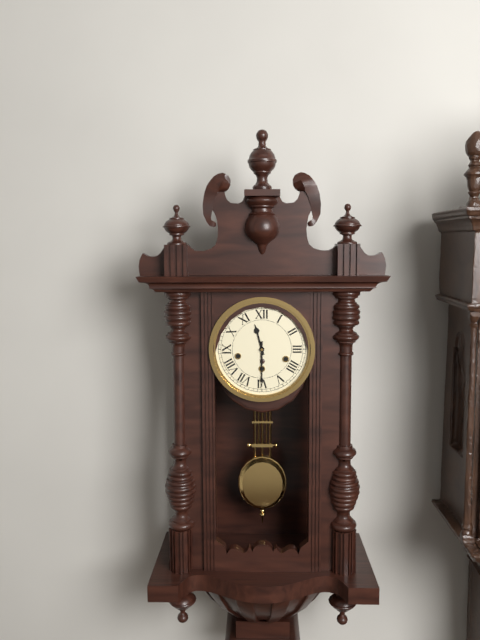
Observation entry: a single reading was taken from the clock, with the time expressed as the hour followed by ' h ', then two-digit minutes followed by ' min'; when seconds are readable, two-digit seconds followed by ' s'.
11 h 30 min
